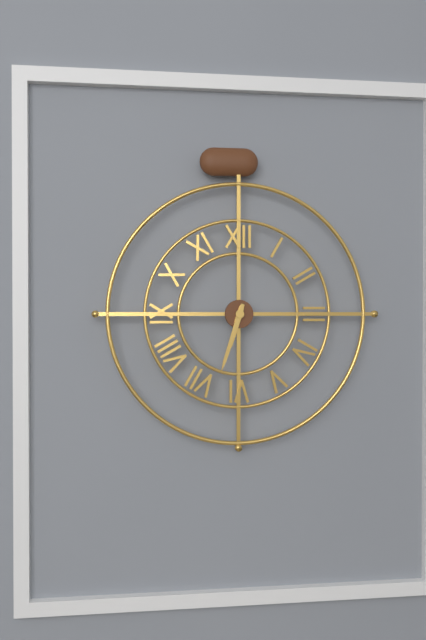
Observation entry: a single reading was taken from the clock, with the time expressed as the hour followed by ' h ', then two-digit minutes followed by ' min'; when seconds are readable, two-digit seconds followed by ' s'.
6 h 33 min
